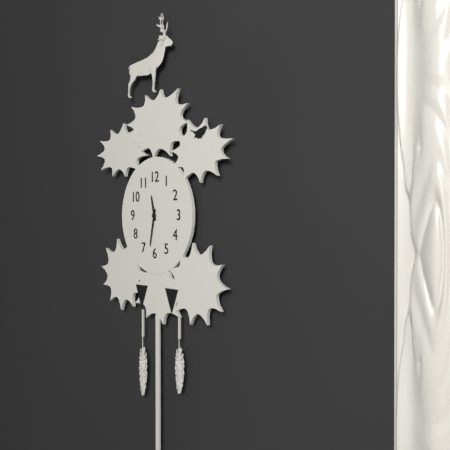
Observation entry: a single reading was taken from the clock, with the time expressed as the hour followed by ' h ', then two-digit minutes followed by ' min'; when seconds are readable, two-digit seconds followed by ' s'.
11 h 32 min
